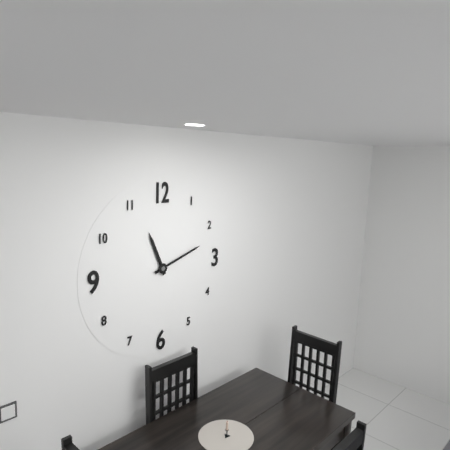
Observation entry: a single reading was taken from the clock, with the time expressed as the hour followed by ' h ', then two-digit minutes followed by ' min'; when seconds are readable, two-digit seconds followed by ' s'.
11 h 12 min
